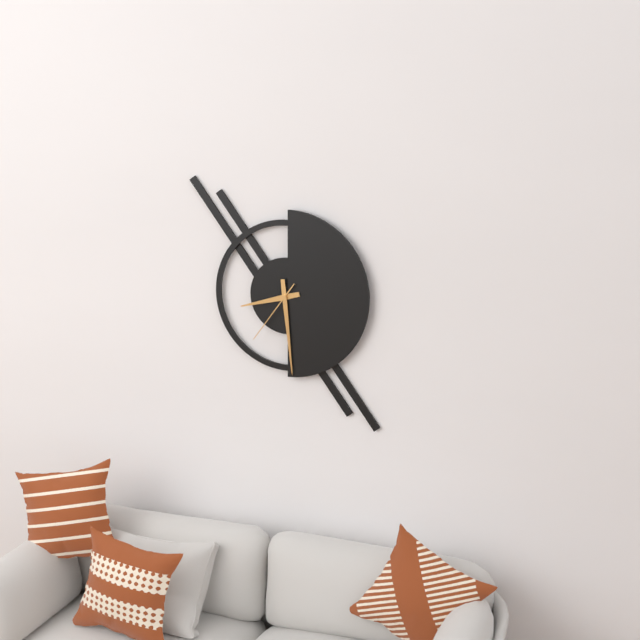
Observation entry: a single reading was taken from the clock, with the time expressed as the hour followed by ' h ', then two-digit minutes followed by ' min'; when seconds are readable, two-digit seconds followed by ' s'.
8 h 29 min 36 s
